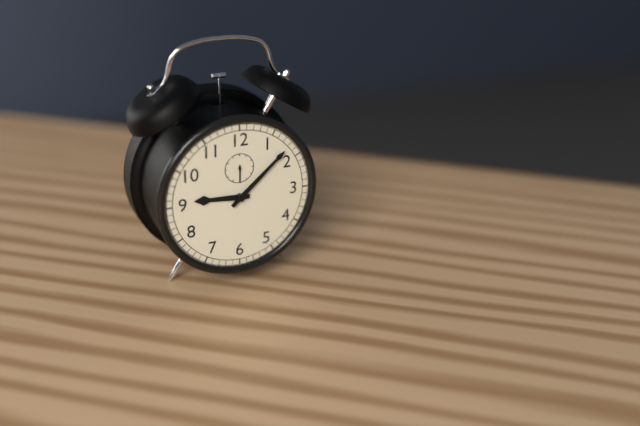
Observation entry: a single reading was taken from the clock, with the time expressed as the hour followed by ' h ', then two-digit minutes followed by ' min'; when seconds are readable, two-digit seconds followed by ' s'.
9 h 08 min
